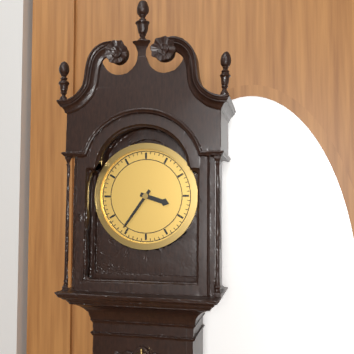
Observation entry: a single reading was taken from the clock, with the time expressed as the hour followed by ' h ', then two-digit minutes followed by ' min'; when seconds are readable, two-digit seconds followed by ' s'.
3 h 36 min
